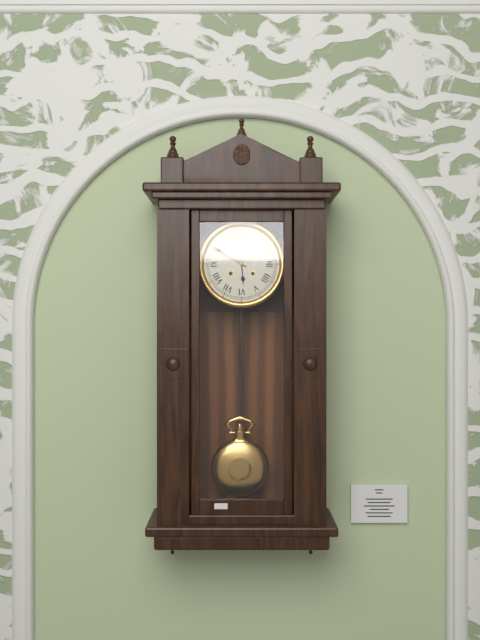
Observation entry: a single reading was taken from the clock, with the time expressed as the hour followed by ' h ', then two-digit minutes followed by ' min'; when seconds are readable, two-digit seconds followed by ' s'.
5 h 50 min
